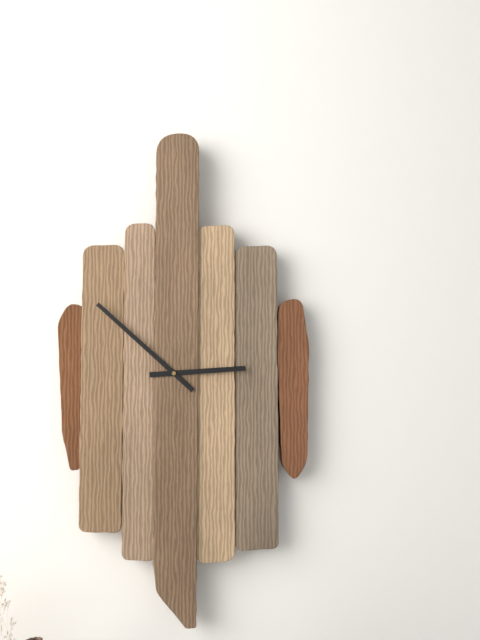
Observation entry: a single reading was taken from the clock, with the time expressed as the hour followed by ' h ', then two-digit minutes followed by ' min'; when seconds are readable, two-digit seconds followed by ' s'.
2 h 52 min
